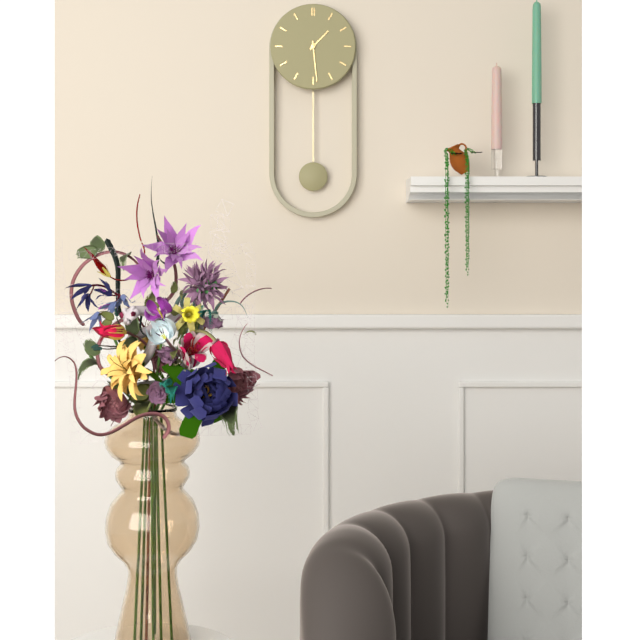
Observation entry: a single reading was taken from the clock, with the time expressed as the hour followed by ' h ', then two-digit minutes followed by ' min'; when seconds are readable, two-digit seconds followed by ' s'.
1 h 29 min
